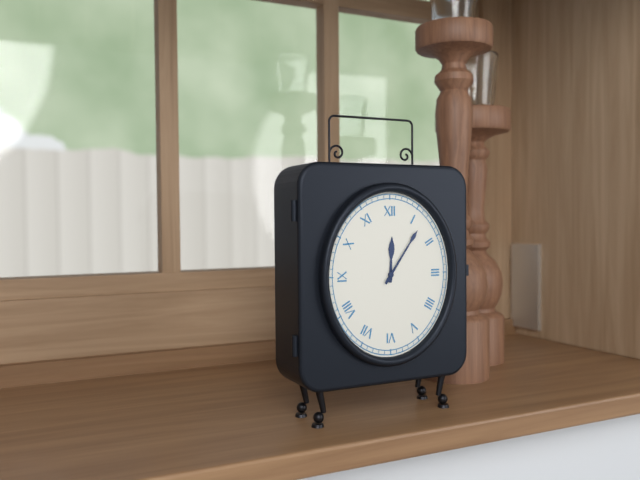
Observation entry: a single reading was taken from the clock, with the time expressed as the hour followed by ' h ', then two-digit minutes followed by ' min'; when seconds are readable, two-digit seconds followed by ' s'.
12 h 06 min
